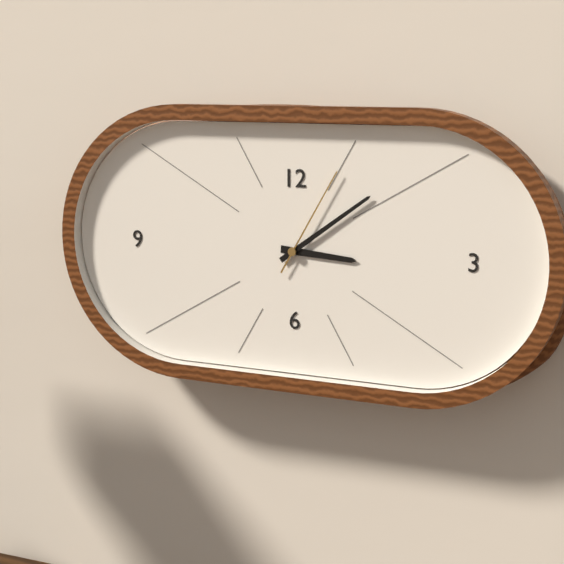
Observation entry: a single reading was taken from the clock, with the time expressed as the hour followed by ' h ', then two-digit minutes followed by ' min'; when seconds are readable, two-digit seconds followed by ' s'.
3 h 09 min 05 s
